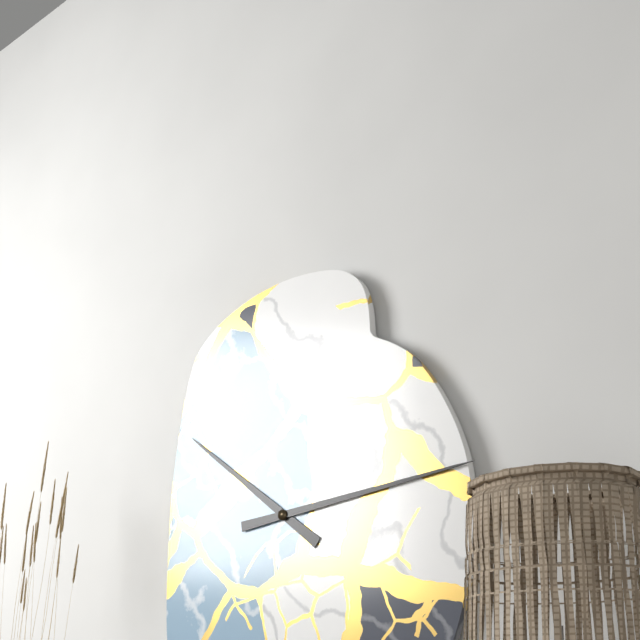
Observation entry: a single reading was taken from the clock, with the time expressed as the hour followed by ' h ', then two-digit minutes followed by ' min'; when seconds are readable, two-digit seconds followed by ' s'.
10 h 14 min
